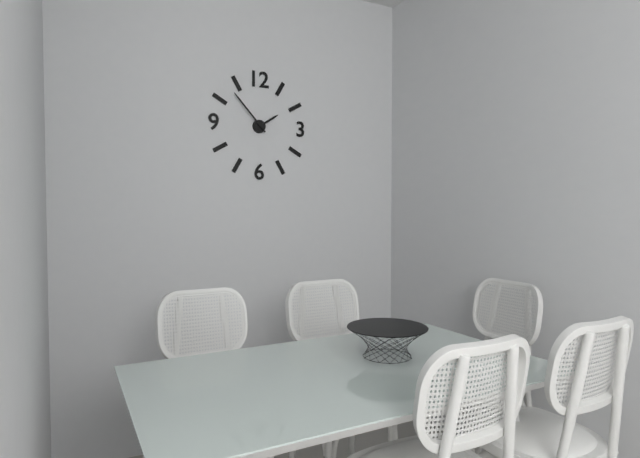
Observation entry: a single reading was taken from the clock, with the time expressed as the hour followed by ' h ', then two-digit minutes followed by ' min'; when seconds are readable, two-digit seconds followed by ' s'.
1 h 53 min
